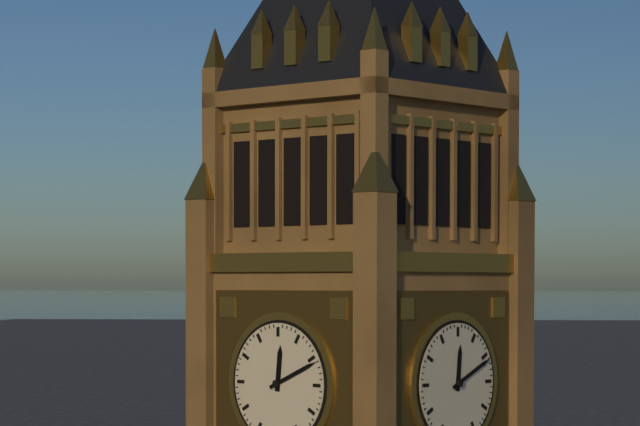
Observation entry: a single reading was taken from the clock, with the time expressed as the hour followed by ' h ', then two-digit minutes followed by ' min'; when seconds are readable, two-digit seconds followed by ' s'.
12 h 11 min
